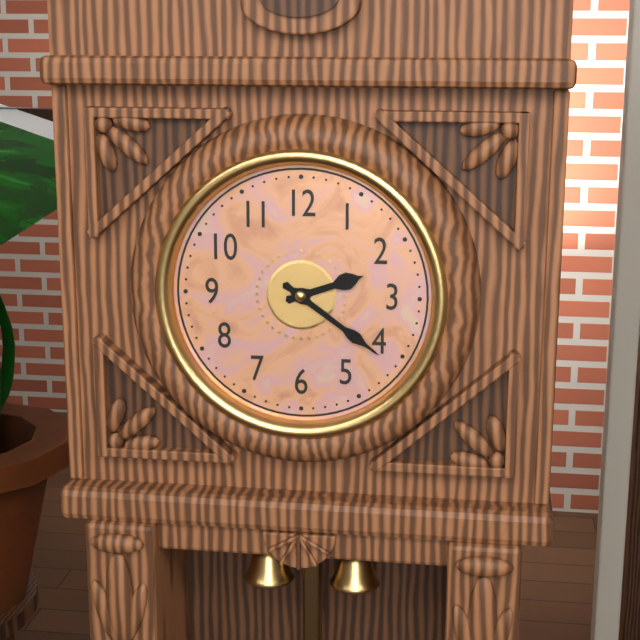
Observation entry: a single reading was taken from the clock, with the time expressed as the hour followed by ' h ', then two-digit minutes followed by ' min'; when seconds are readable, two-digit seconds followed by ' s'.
2 h 21 min
